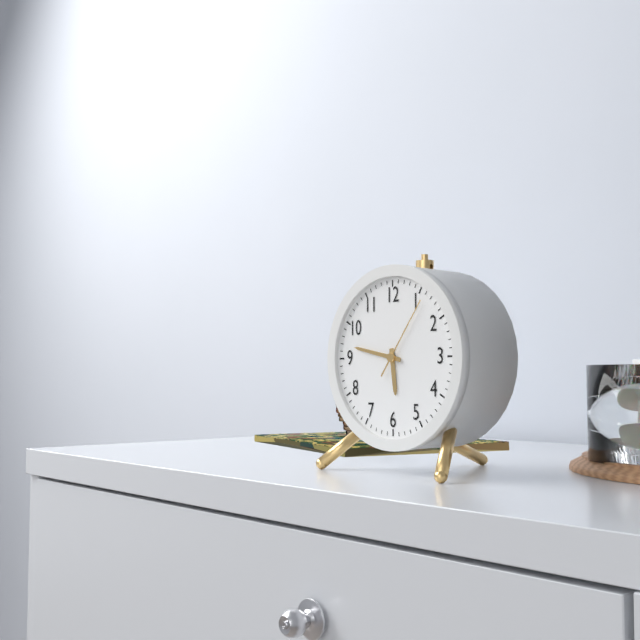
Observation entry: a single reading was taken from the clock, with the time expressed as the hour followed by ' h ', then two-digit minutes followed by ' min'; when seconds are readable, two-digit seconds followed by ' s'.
5 h 47 min 06 s
